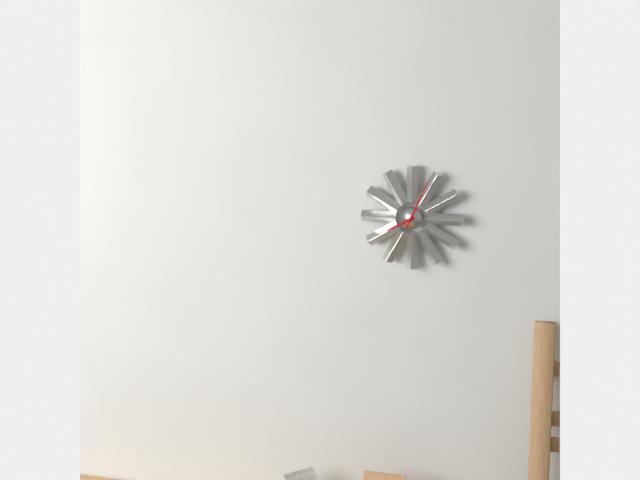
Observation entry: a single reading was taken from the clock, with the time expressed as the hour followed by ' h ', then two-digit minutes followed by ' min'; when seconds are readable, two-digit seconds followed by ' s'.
8 h 04 min
